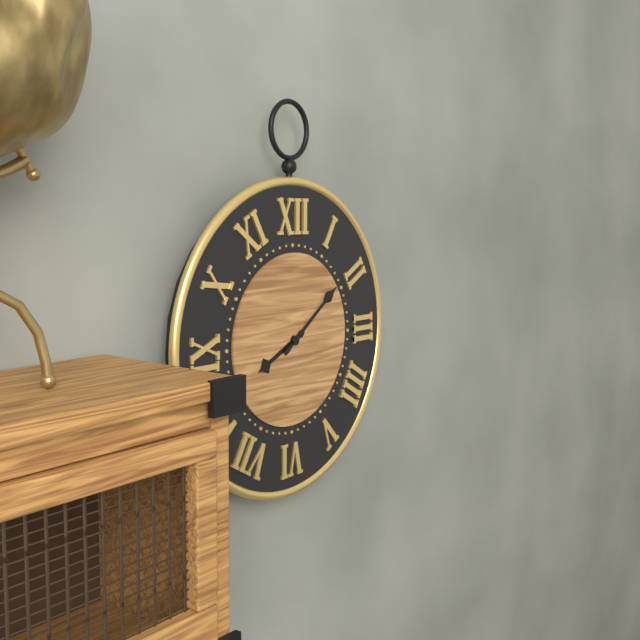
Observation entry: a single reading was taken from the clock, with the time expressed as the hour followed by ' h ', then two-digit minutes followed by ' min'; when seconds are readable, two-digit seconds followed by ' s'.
8 h 09 min
